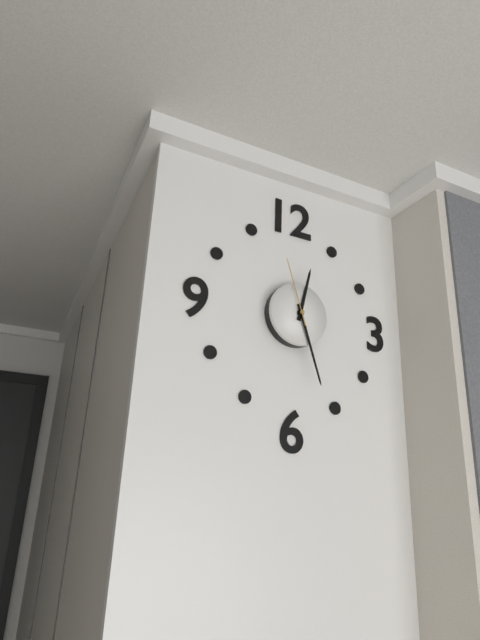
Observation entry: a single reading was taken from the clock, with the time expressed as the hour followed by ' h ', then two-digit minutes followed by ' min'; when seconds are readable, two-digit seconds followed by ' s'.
12 h 27 min 57 s
